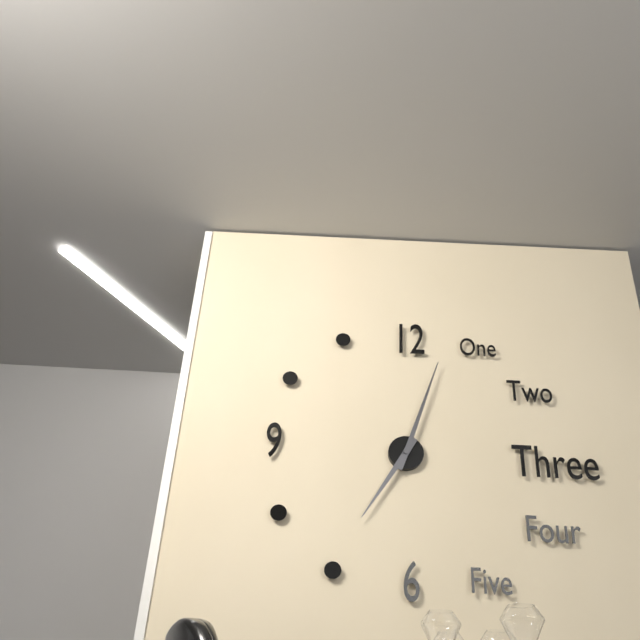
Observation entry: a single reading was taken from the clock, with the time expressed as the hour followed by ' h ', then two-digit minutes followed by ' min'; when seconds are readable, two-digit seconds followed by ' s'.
7 h 03 min
